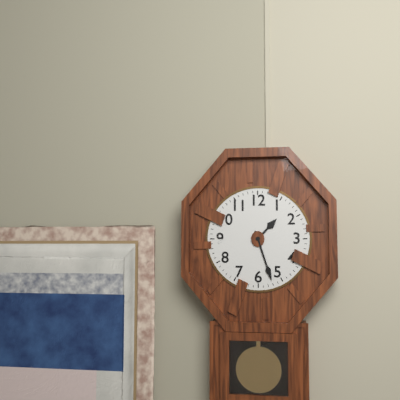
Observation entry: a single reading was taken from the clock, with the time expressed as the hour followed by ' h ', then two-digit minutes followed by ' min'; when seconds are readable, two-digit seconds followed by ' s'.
1 h 27 min
